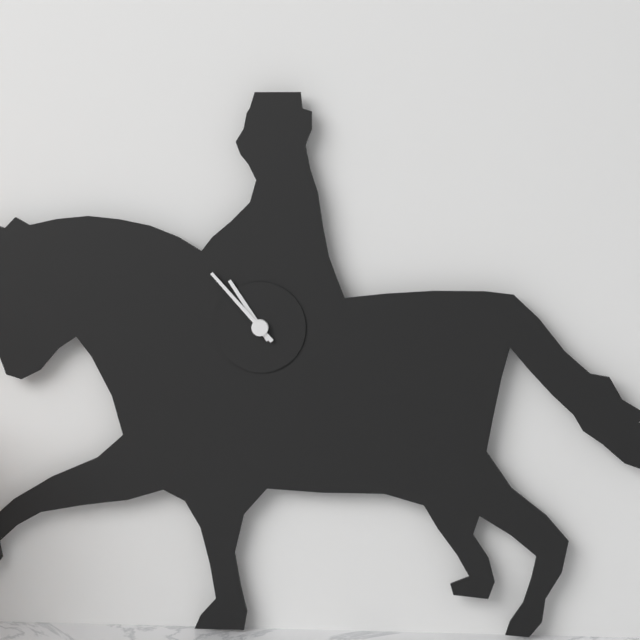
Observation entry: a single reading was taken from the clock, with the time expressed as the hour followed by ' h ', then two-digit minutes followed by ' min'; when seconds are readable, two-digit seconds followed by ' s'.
10 h 53 min
